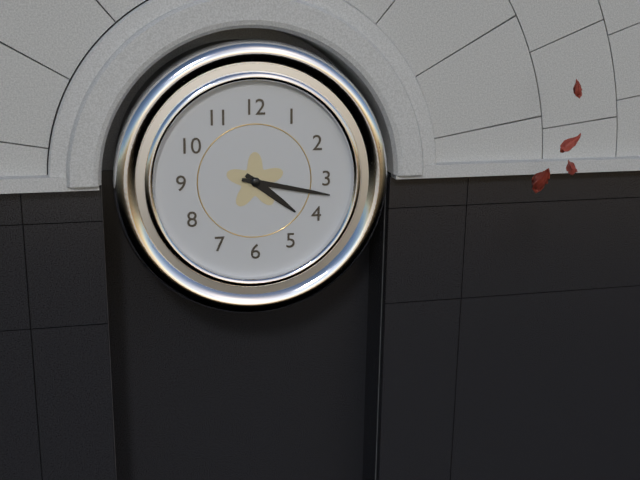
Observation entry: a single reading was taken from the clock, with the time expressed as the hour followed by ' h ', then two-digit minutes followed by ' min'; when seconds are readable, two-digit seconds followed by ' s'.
4 h 17 min
